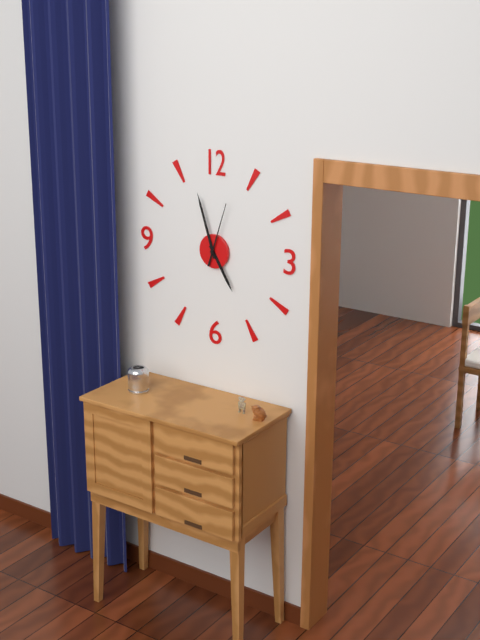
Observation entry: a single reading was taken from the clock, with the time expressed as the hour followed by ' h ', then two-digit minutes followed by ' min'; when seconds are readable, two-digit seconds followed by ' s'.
4 h 57 min 03 s
